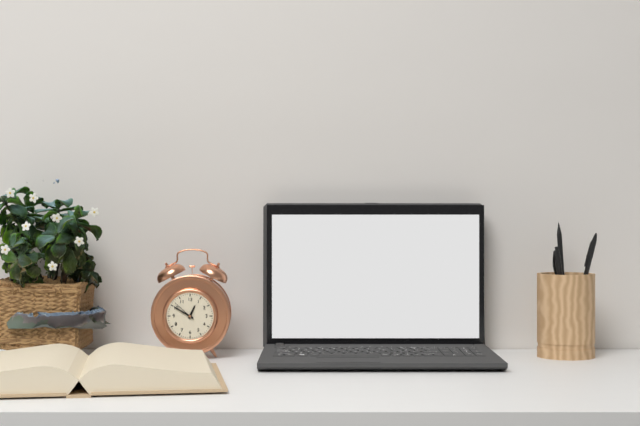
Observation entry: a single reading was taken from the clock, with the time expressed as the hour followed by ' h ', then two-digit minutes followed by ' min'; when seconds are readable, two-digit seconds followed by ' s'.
12 h 50 min
